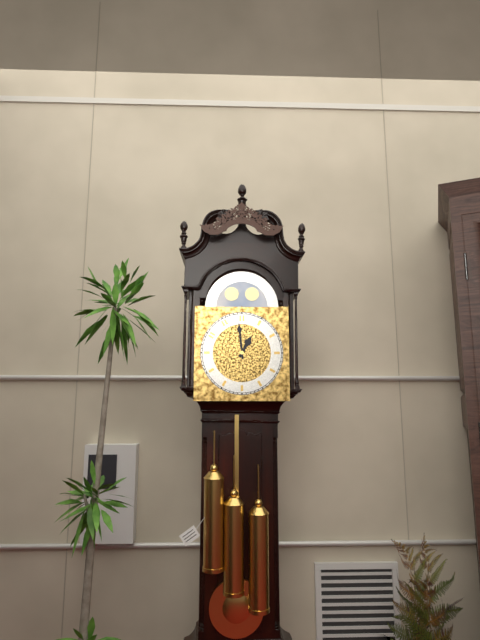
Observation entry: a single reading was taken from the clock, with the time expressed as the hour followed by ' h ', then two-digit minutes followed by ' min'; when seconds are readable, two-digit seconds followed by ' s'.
12 h 59 min
